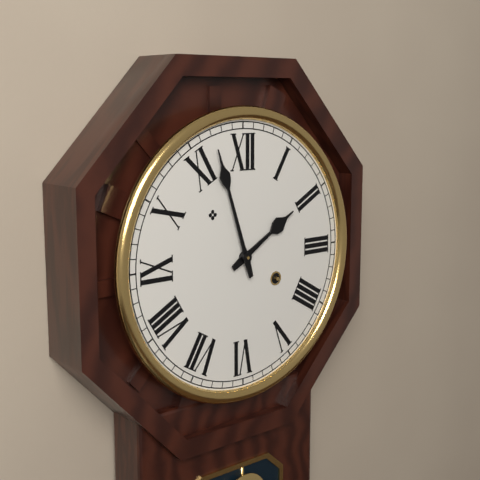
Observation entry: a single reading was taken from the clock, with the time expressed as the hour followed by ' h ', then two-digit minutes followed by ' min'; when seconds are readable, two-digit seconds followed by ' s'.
1 h 57 min
